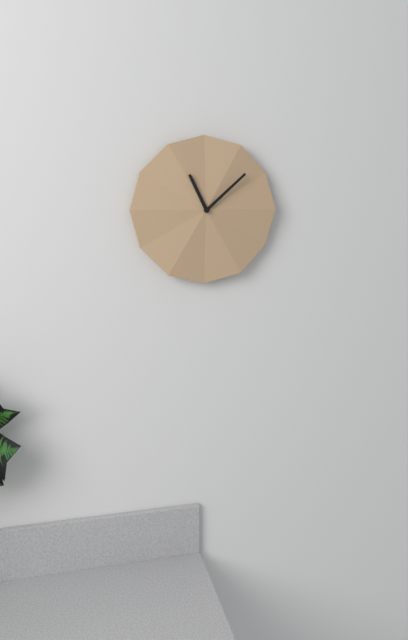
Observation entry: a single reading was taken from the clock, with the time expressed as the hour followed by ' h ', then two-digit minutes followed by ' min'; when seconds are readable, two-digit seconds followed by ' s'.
11 h 08 min
